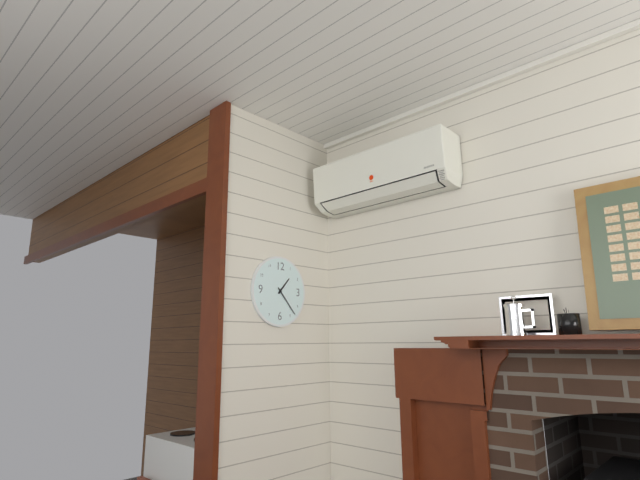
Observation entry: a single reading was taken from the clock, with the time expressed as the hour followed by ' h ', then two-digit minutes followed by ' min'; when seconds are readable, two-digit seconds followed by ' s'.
1 h 23 min
